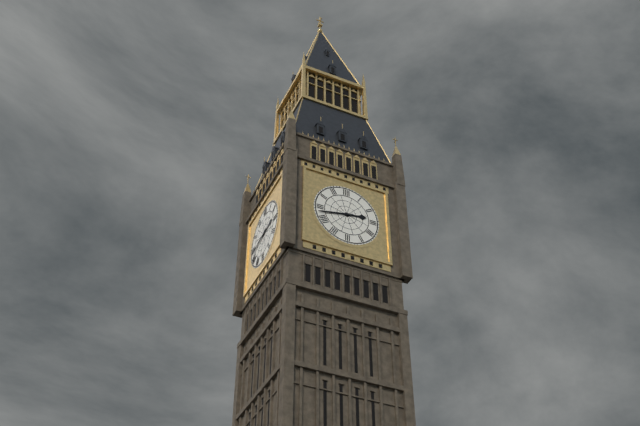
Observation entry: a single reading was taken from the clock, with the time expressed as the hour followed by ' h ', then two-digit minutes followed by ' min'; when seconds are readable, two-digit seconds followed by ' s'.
2 h 43 min
